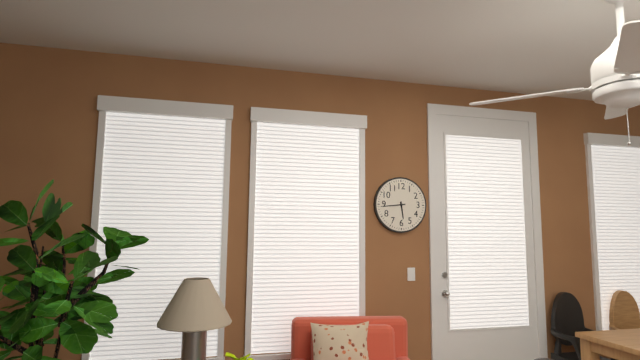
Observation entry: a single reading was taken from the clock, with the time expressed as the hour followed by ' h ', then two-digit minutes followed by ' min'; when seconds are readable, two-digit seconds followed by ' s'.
5 h 44 min
